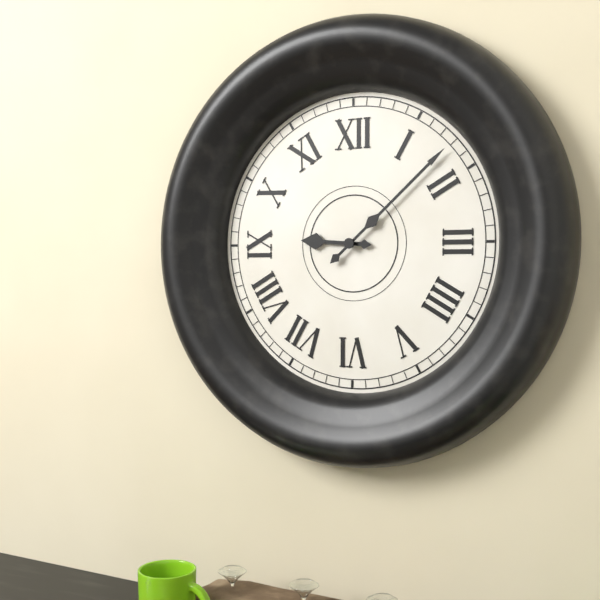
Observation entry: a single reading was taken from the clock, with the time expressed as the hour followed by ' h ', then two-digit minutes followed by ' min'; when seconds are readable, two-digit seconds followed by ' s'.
9 h 08 min
